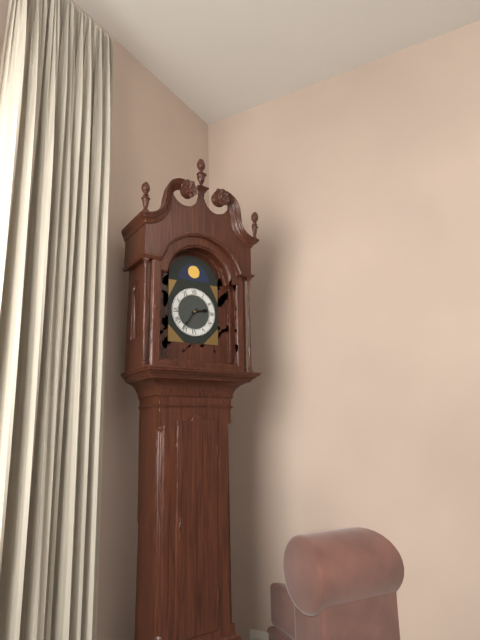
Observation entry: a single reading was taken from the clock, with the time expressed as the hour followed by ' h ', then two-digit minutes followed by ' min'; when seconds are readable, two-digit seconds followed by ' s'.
2 h 36 min
